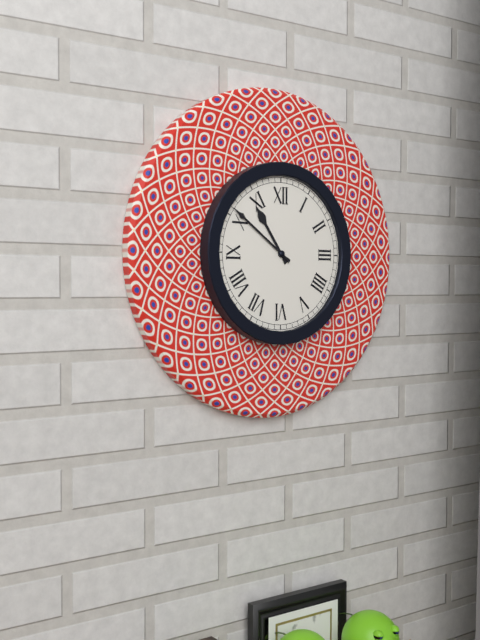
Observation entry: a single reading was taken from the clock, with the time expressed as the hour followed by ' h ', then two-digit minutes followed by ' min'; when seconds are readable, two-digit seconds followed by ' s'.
10 h 51 min
